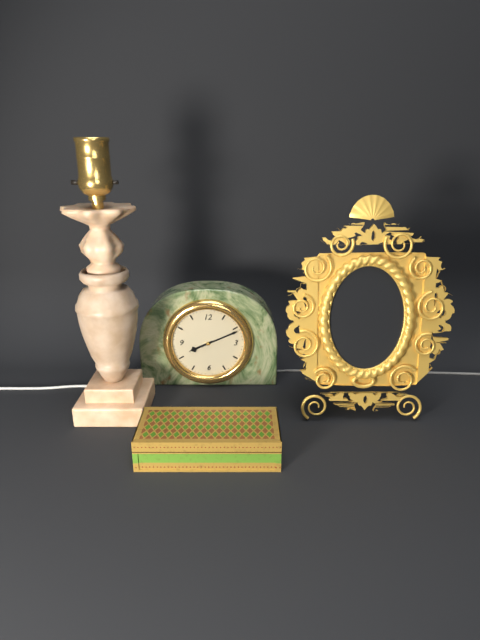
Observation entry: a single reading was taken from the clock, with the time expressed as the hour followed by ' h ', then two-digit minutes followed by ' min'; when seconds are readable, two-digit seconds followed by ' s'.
8 h 11 min
